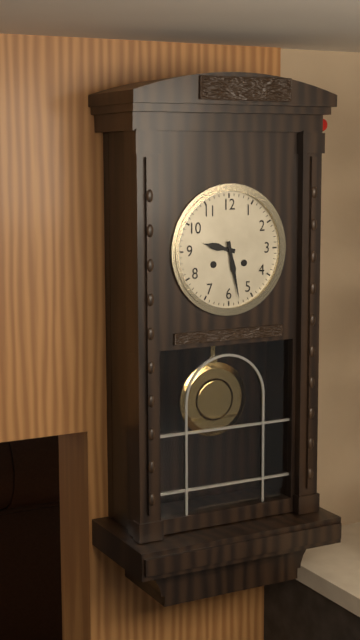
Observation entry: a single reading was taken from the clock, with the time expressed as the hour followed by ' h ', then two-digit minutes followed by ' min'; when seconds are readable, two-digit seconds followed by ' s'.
9 h 28 min
